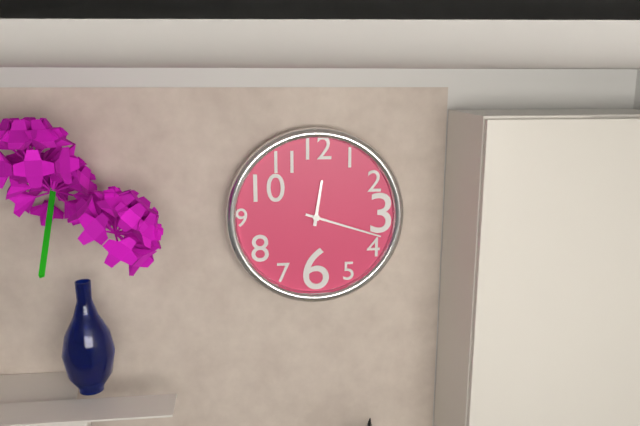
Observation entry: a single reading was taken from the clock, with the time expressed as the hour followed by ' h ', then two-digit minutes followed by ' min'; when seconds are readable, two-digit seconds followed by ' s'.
12 h 18 min
